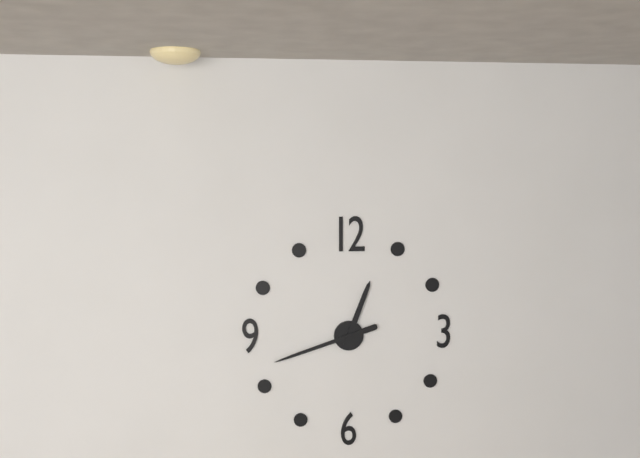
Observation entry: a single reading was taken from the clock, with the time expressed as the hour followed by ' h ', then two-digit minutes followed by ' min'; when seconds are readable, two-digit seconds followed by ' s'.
12 h 42 min
